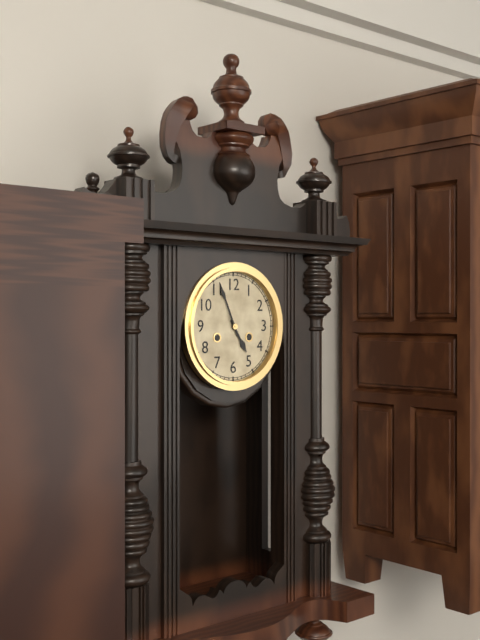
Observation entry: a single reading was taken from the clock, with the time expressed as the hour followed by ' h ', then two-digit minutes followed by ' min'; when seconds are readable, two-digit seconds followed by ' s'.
4 h 56 min
